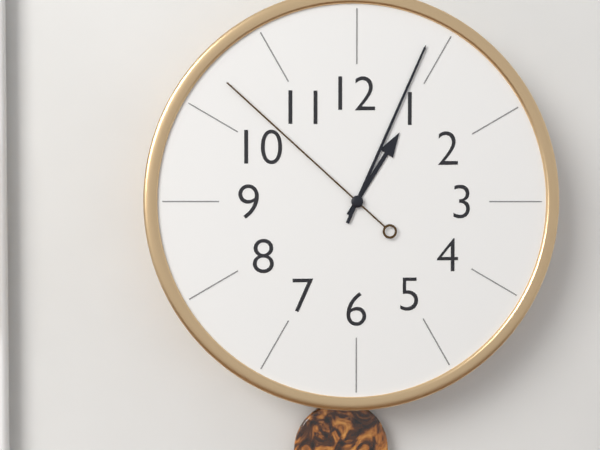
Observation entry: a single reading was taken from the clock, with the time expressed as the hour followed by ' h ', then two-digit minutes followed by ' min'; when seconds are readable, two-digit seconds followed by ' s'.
1 h 04 min 52 s
